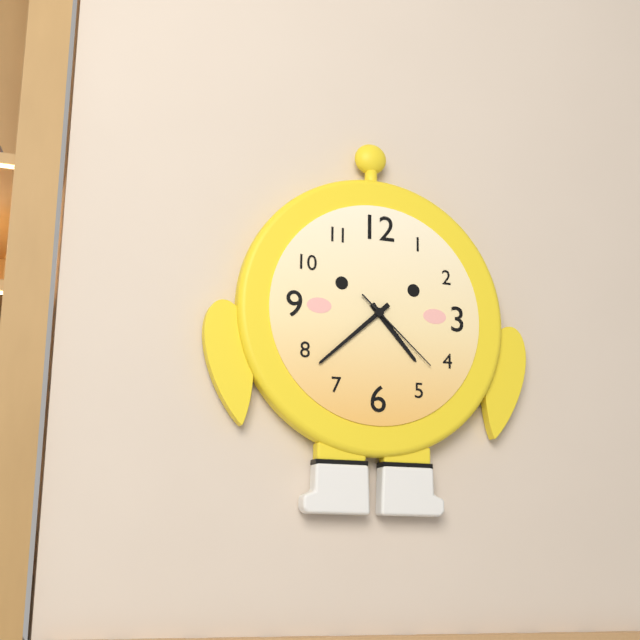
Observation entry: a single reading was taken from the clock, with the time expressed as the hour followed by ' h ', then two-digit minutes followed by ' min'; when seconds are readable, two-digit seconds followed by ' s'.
4 h 38 min 22 s
